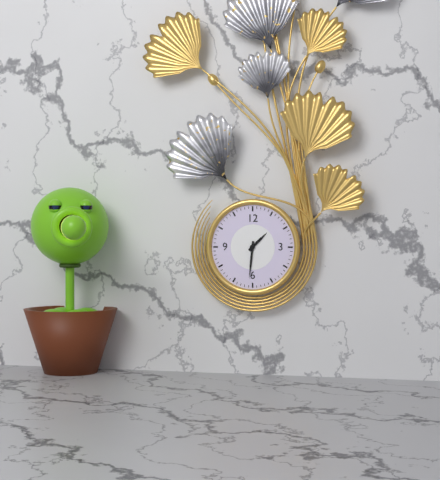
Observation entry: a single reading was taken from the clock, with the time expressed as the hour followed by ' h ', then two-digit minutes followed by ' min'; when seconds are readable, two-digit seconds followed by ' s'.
1 h 31 min
